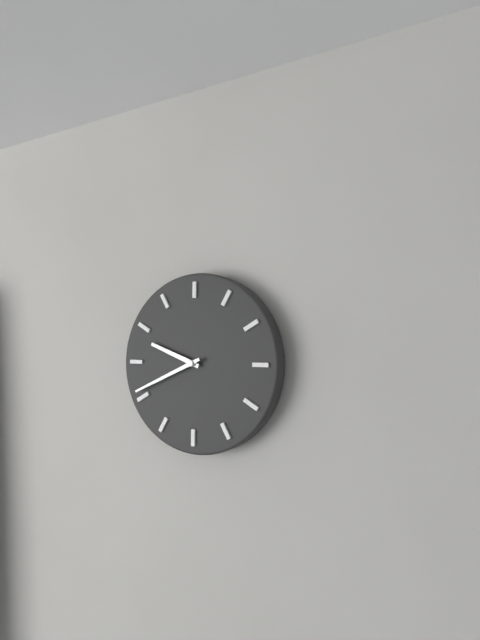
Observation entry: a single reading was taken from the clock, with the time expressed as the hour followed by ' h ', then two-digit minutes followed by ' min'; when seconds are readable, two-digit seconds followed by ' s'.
9 h 41 min
